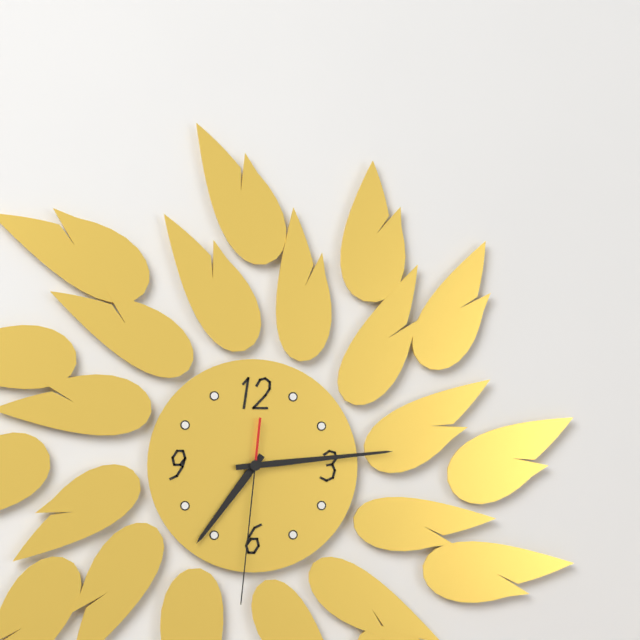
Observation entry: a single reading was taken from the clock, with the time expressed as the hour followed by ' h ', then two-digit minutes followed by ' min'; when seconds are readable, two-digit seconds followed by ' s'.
7 h 14 min 31 s
